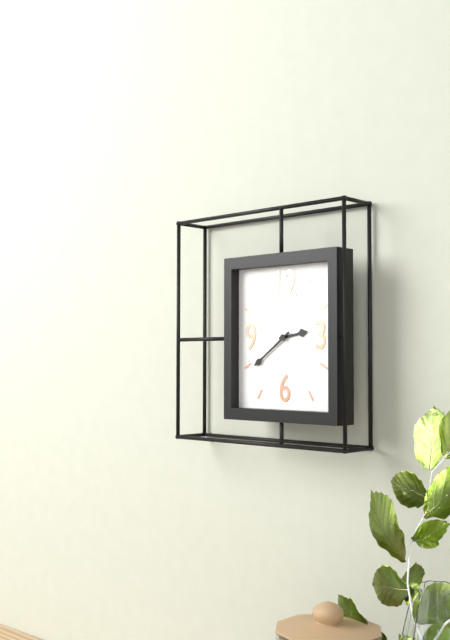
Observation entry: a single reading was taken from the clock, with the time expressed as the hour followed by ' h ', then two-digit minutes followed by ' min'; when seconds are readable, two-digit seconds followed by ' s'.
2 h 39 min
